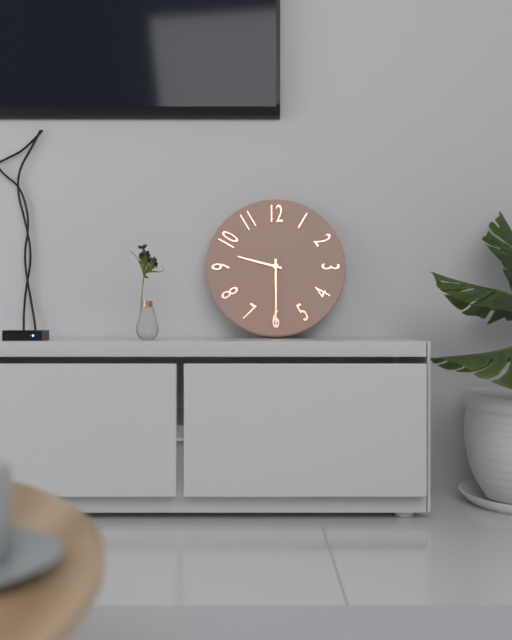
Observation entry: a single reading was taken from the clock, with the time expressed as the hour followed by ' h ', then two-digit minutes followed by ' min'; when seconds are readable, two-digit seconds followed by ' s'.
9 h 30 min
